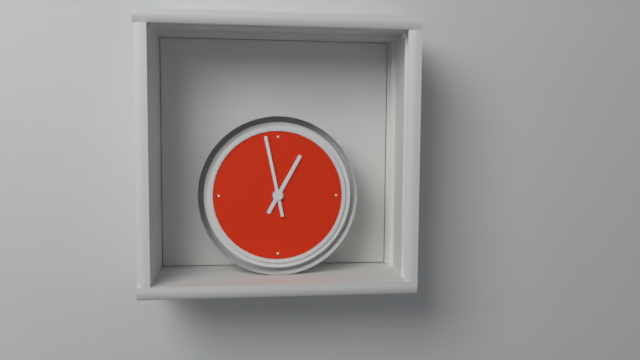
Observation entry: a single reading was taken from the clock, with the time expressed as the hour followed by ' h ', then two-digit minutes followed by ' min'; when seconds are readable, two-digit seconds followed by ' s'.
12 h 58 min
